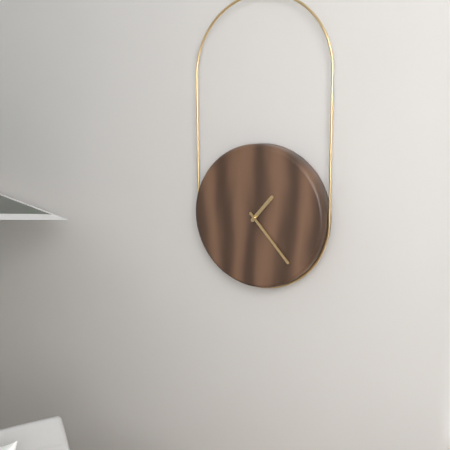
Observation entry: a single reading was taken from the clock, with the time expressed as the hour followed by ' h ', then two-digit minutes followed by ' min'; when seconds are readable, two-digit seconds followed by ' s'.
1 h 23 min
